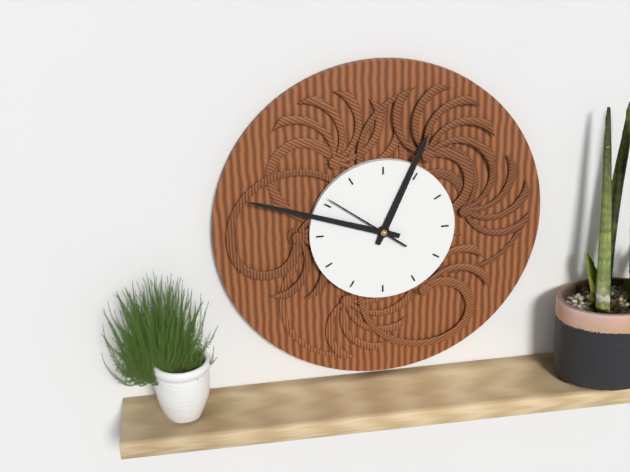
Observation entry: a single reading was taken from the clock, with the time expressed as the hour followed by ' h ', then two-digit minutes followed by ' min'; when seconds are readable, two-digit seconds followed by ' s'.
12 h 48 min 51 s
